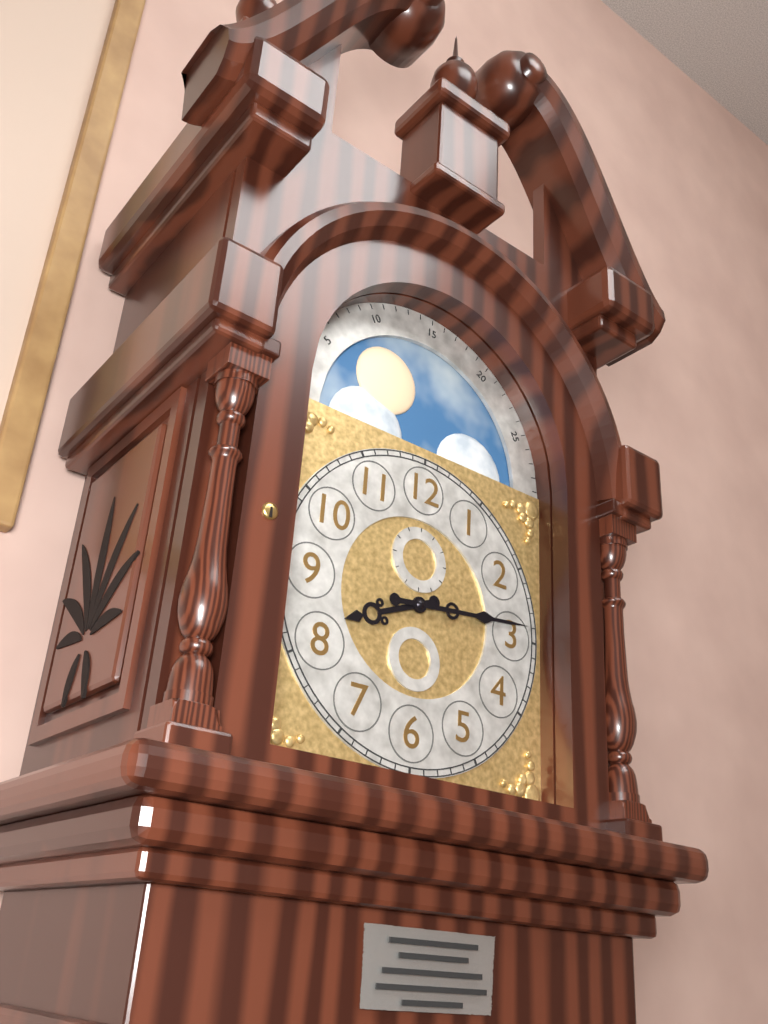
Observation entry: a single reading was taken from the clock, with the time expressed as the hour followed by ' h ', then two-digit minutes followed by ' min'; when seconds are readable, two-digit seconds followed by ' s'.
8 h 14 min
